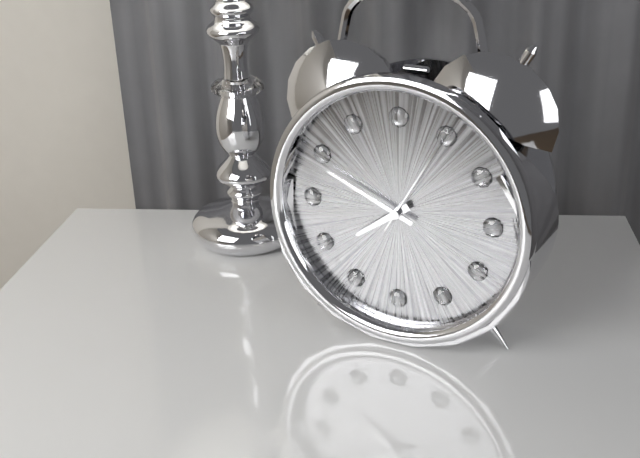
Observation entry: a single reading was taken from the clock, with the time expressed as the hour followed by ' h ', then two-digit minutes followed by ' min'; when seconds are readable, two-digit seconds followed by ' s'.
7 h 49 min 05 s
